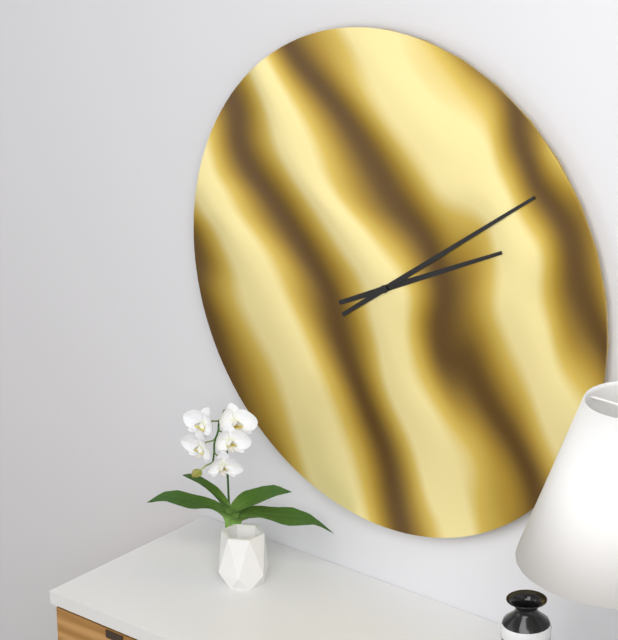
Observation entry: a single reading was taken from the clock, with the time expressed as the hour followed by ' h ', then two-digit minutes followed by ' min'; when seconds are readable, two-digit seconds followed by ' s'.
2 h 09 min
